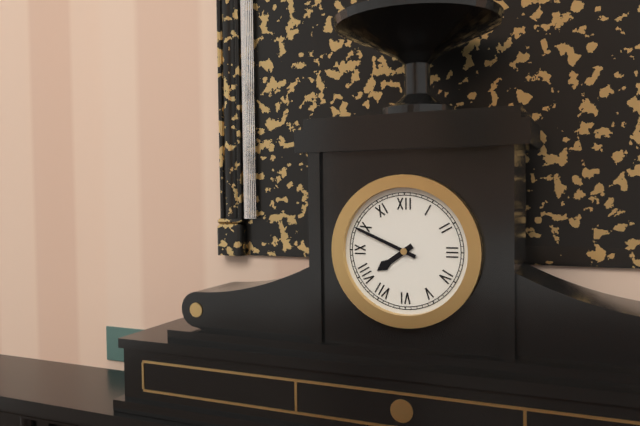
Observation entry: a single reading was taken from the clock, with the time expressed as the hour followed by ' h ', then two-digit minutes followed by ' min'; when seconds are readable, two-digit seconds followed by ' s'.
7 h 49 min
